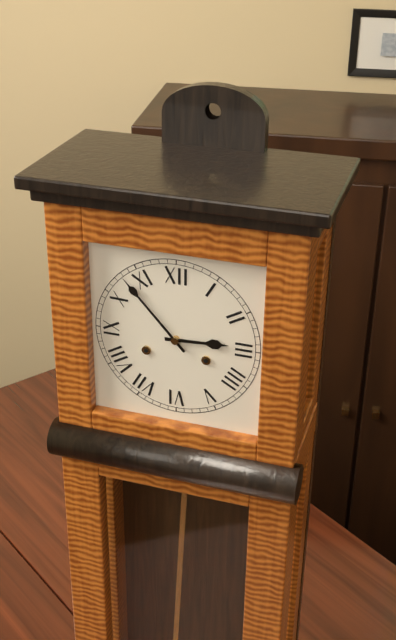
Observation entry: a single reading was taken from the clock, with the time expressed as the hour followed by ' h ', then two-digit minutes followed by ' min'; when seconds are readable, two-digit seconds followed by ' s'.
2 h 53 min
